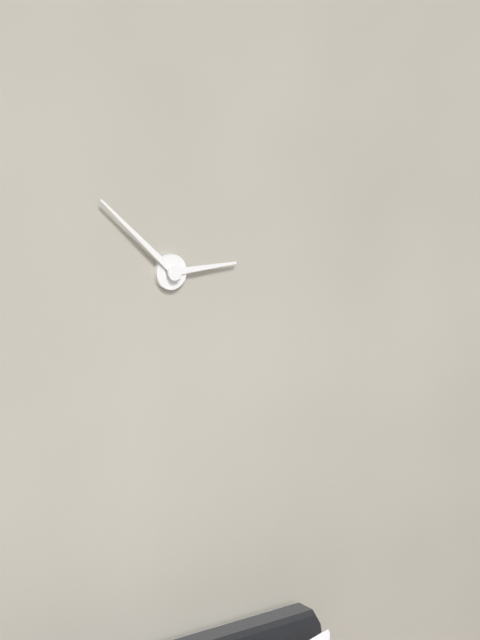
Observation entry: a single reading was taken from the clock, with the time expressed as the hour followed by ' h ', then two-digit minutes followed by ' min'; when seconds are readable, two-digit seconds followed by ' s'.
2 h 52 min
